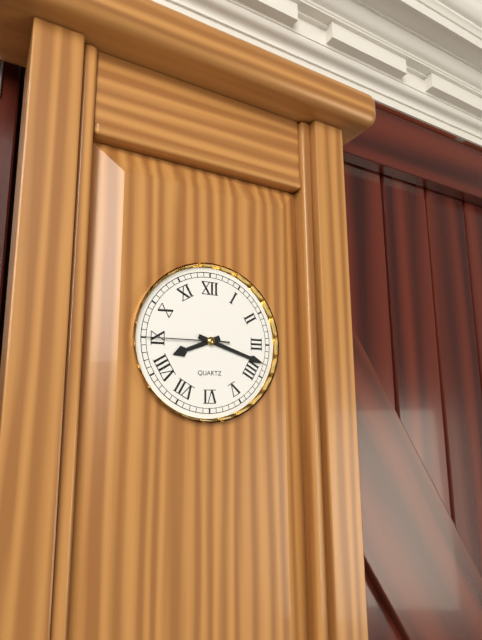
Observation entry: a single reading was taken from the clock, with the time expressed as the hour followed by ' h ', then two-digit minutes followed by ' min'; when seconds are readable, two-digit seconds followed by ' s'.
8 h 18 min 45 s
